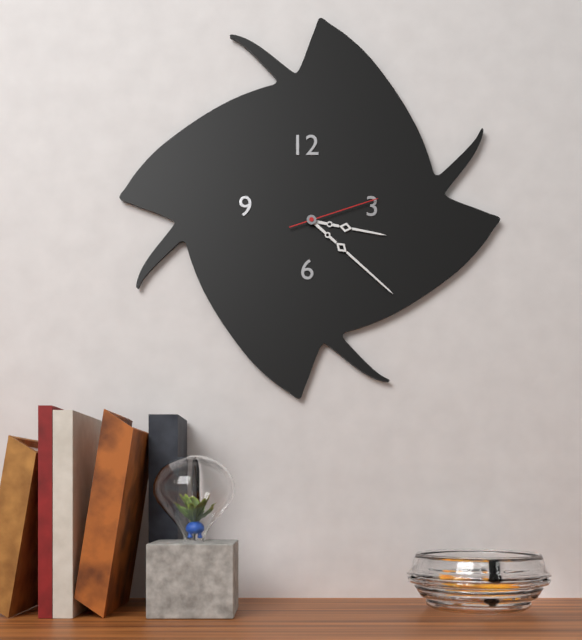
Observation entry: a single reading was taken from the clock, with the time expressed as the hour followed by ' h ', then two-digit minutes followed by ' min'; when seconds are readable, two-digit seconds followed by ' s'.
3 h 22 min 12 s
